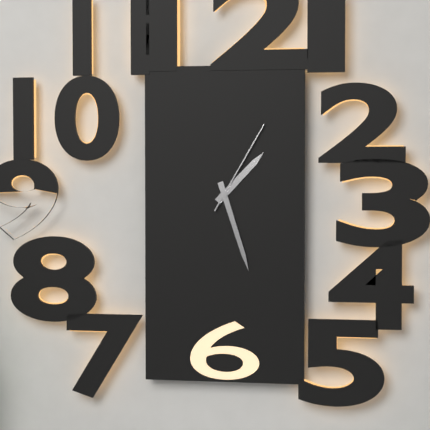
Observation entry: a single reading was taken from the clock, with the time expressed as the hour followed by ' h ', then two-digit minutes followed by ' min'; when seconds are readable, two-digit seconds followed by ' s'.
1 h 27 min 05 s
